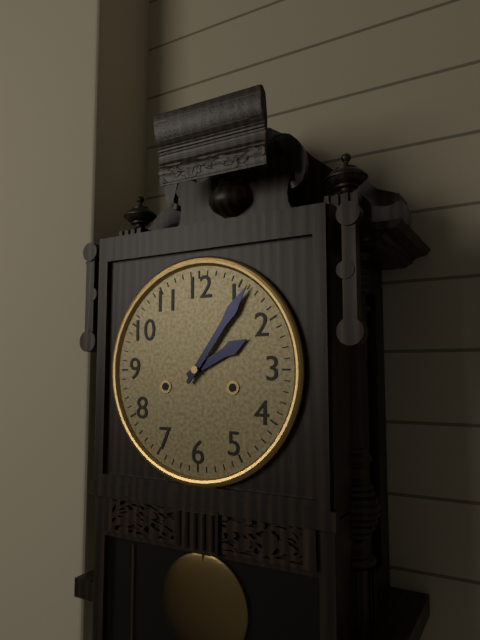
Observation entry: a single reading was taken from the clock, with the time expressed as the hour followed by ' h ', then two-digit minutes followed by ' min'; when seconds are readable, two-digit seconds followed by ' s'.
2 h 06 min
